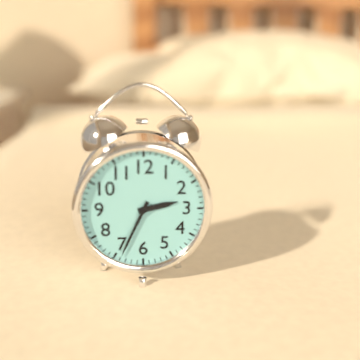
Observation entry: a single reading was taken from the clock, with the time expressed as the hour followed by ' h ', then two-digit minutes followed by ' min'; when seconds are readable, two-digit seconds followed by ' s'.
2 h 34 min
